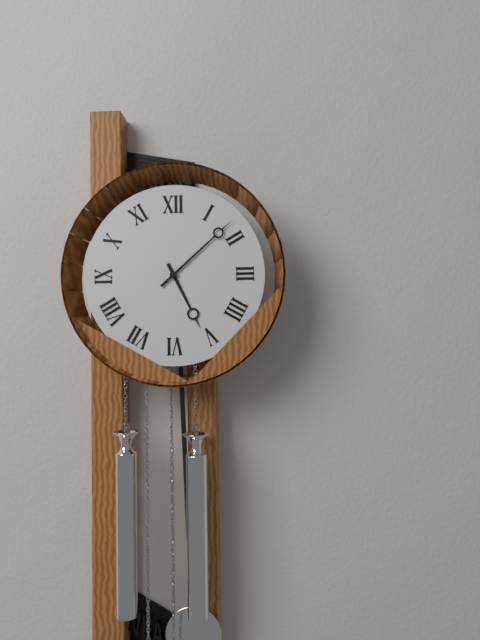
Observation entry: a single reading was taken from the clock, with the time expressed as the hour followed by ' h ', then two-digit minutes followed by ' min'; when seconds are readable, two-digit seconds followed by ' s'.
5 h 08 min
